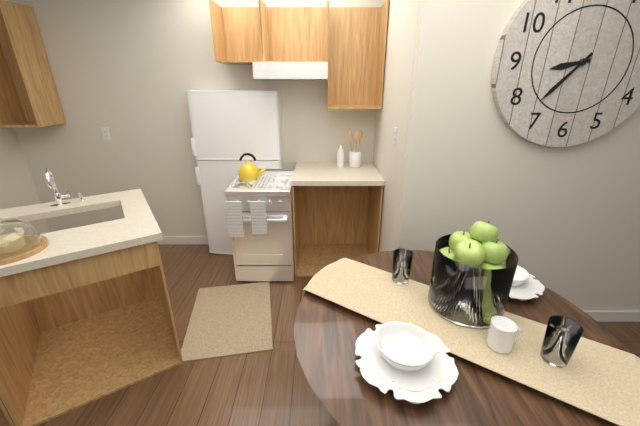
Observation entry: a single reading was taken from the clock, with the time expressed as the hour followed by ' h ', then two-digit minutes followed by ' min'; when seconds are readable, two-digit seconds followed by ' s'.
8 h 37 min
